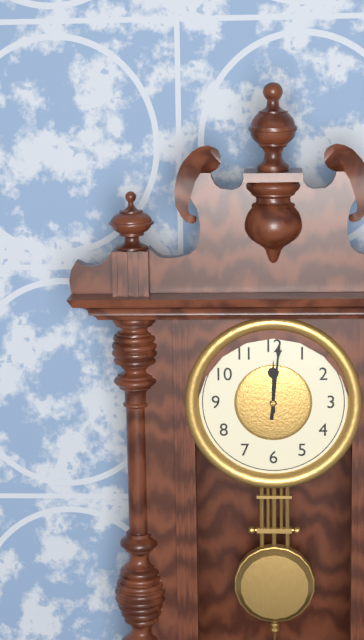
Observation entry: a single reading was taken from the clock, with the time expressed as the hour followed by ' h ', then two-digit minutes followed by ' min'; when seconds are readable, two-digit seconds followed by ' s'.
12 h 01 min
